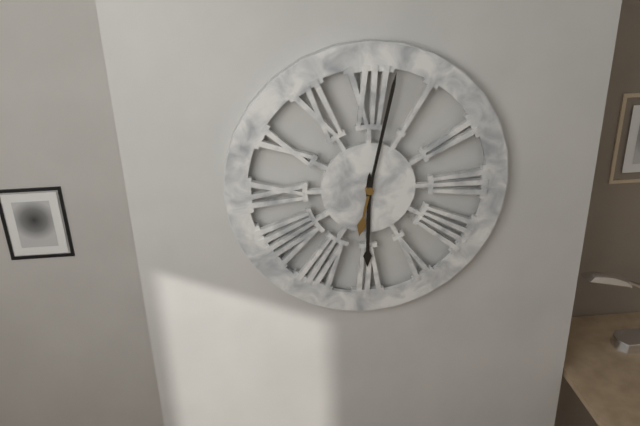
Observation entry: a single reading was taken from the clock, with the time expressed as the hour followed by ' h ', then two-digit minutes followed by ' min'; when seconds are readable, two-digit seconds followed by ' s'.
6 h 02 min
